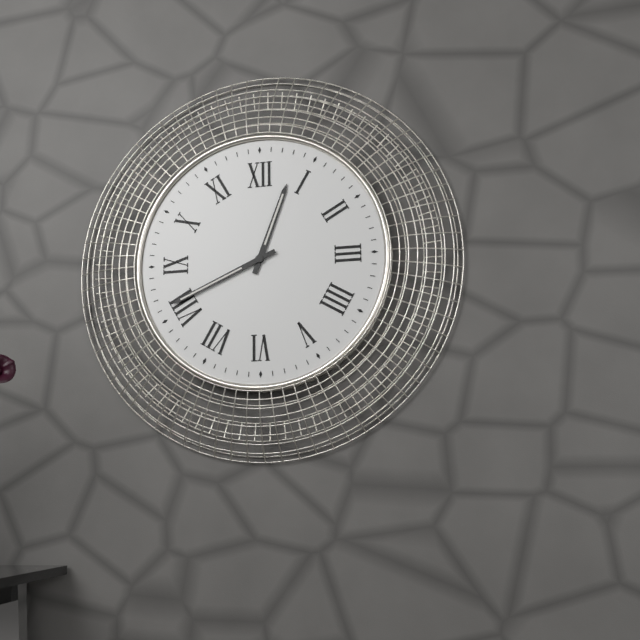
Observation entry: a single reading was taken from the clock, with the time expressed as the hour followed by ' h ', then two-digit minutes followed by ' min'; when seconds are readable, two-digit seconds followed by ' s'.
12 h 41 min
